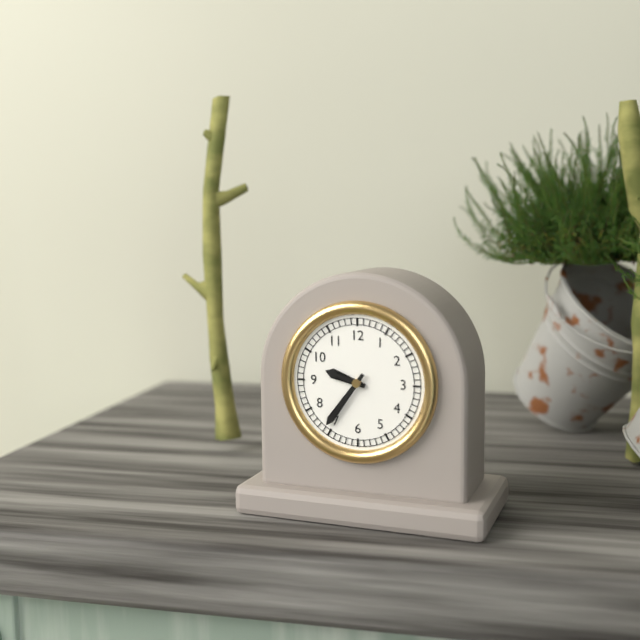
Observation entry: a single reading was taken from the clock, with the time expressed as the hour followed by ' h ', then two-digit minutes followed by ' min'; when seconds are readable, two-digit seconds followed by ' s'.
9 h 36 min
